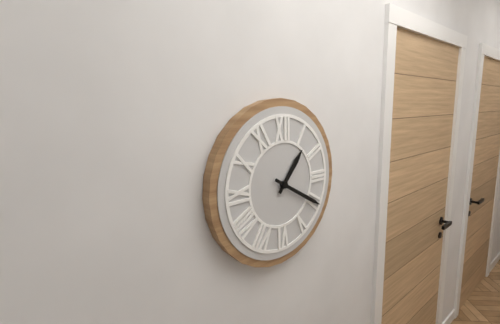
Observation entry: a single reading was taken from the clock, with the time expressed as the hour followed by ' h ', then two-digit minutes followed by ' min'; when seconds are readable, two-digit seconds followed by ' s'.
1 h 20 min
